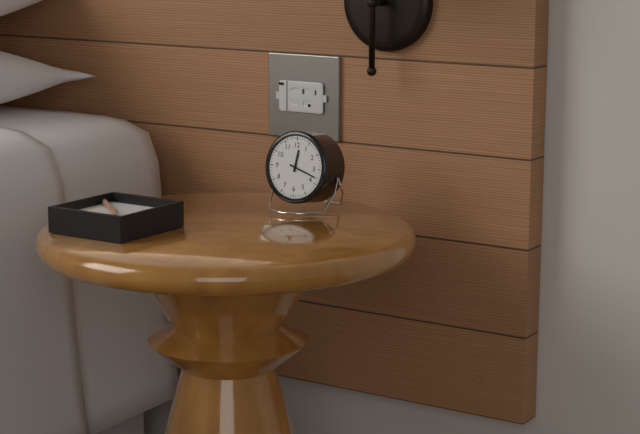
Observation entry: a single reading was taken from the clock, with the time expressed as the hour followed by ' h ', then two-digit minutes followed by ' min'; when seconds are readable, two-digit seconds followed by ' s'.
12 h 18 min
